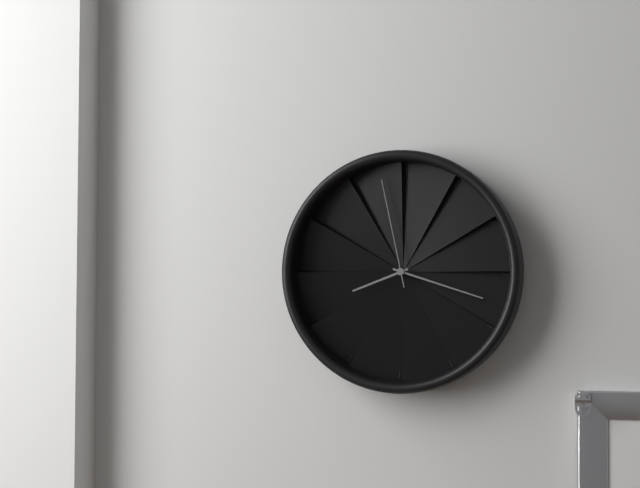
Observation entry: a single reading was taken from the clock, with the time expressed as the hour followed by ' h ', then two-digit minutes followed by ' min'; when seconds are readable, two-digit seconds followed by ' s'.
8 h 18 min 58 s
